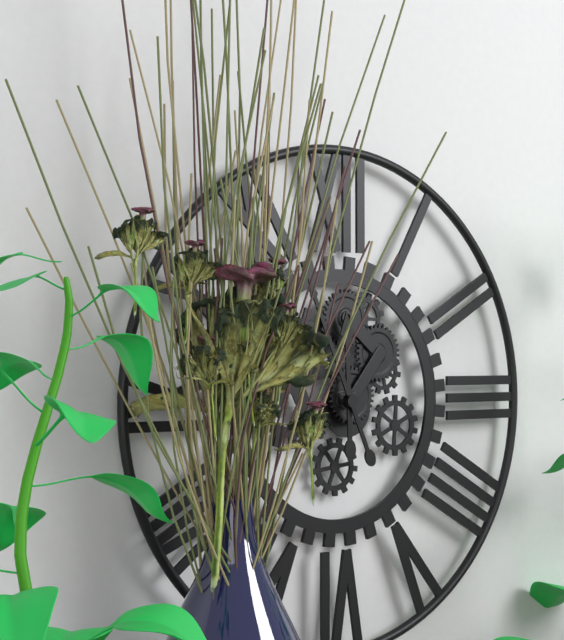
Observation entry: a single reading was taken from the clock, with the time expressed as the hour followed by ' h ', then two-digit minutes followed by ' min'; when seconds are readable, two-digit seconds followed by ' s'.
11 h 56 min
